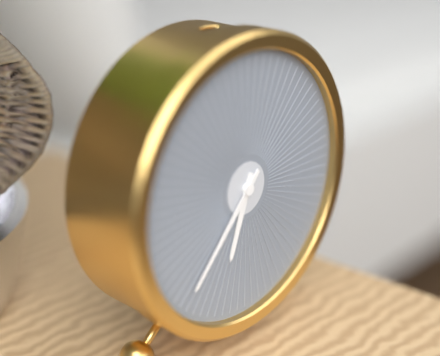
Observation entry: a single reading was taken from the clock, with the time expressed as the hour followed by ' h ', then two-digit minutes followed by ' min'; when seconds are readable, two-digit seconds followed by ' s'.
6 h 37 min
